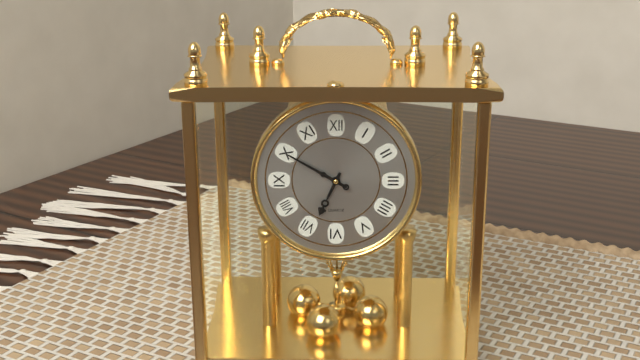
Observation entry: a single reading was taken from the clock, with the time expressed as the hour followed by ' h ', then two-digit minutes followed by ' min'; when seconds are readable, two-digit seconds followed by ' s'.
6 h 50 min
